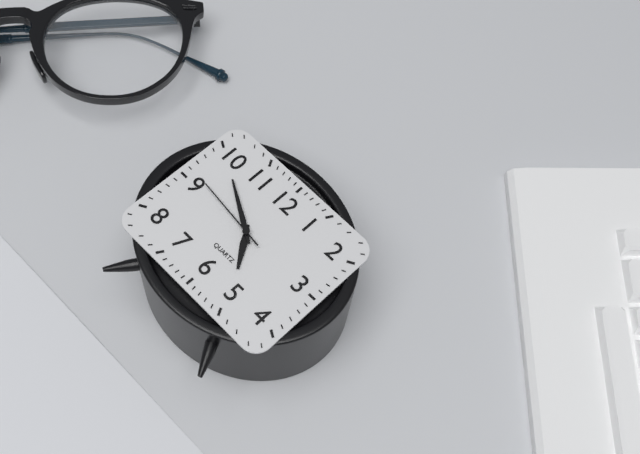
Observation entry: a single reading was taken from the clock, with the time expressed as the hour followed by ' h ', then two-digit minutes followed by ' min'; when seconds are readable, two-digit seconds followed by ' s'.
4 h 50 min 46 s
